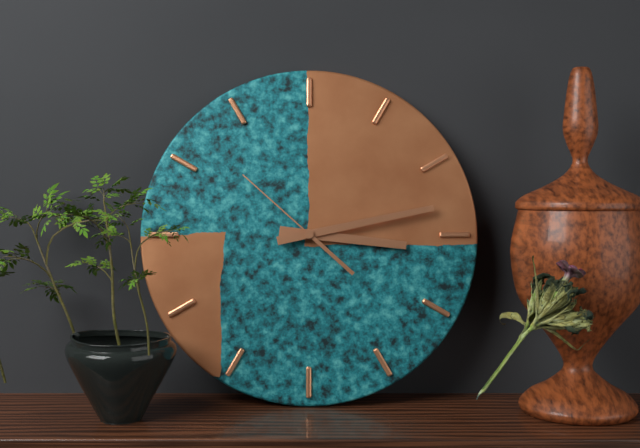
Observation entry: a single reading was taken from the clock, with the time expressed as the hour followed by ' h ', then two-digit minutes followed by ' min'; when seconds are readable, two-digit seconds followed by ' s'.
3 h 13 min 52 s
